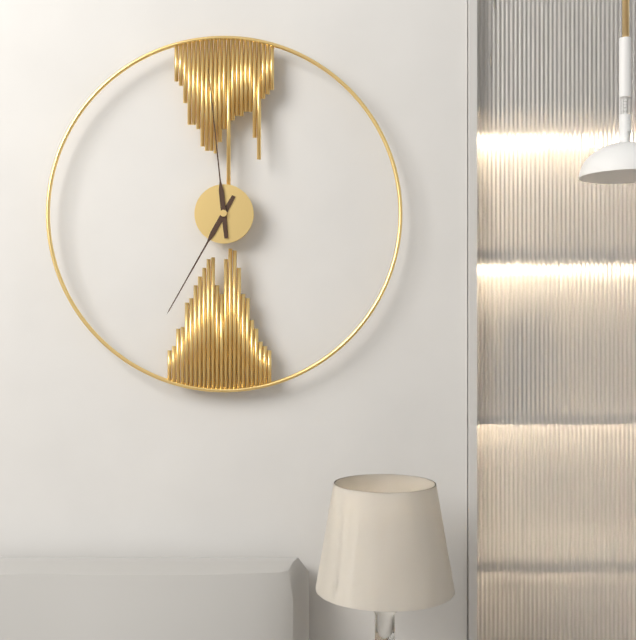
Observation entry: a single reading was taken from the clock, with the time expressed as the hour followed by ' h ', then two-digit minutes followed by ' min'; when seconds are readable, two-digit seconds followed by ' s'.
6 h 59 min
